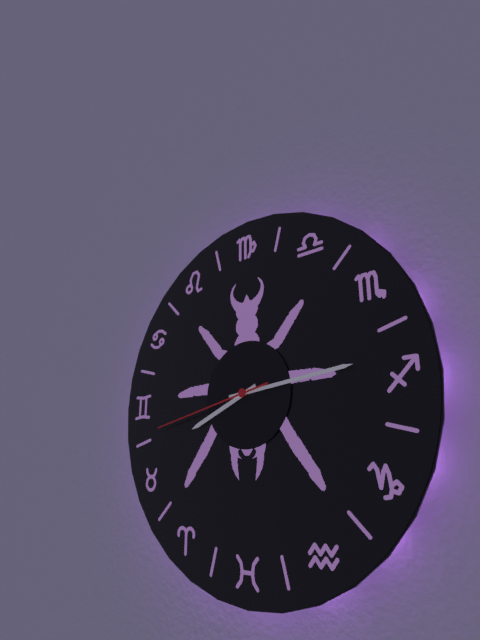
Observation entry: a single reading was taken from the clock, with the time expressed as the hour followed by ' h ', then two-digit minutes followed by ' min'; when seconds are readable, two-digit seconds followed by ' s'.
8 h 14 min 43 s
